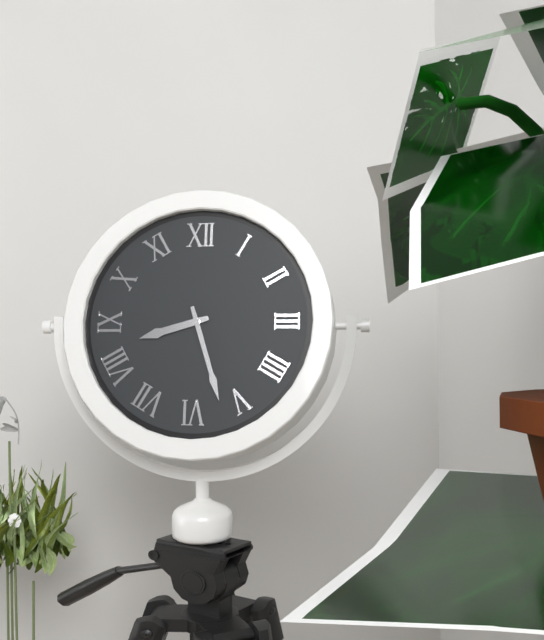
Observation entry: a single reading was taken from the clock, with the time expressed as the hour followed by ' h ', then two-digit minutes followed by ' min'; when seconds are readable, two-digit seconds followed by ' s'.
8 h 27 min
